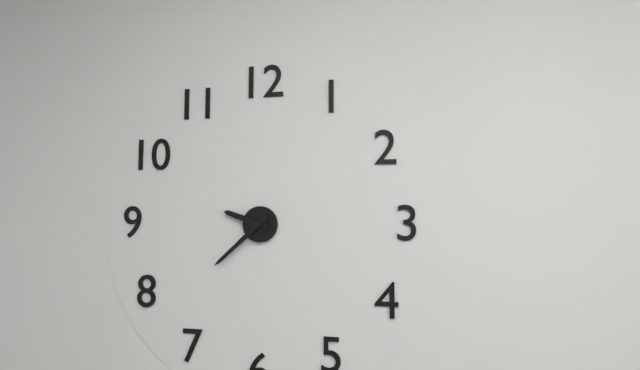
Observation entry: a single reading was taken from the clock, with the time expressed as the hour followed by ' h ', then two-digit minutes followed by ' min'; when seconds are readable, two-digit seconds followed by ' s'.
9 h 38 min
